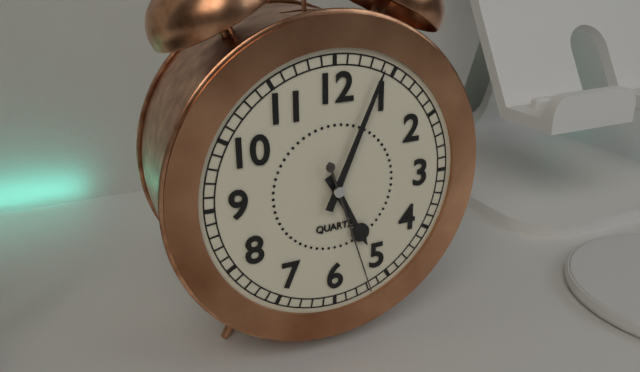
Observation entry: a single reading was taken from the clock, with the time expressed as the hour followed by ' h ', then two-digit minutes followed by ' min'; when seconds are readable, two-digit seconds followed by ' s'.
5 h 04 min 27 s
